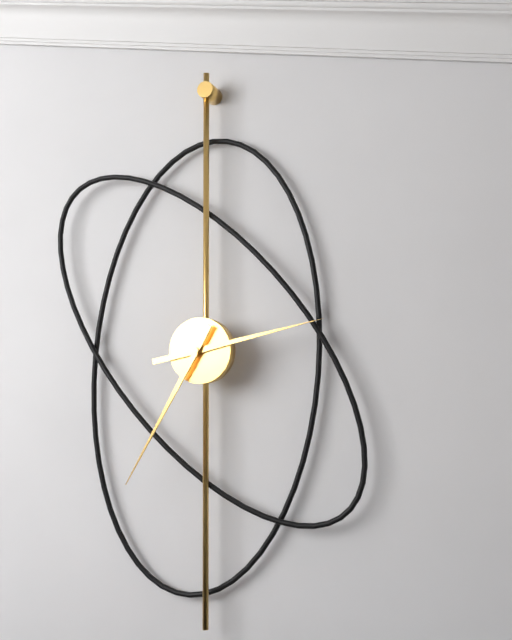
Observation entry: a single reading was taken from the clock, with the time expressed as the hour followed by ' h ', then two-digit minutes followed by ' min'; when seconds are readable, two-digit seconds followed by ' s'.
2 h 35 min
